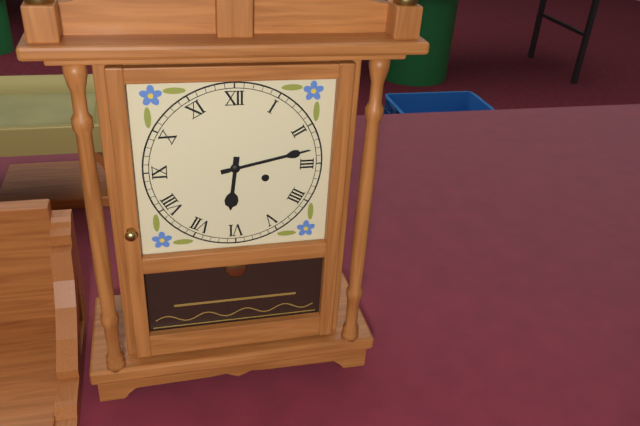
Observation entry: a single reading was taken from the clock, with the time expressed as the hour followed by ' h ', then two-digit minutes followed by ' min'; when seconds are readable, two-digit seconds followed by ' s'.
6 h 13 min
